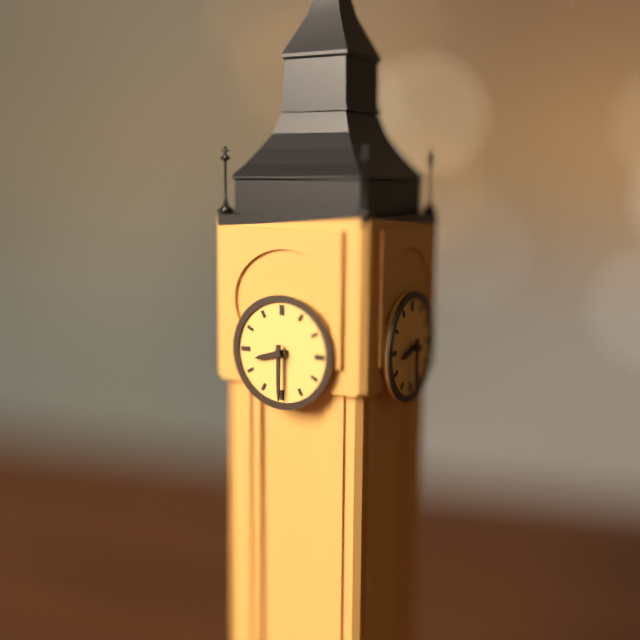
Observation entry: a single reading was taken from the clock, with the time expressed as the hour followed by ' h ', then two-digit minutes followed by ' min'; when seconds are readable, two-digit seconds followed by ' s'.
8 h 30 min
